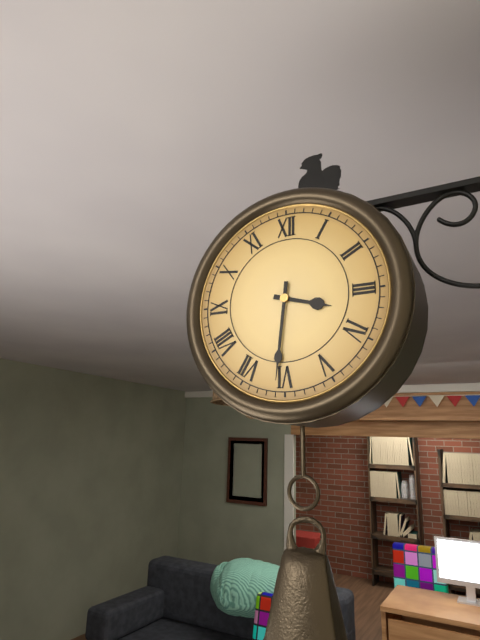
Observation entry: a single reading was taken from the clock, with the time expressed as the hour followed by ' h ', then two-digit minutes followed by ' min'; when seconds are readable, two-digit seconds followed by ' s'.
3 h 31 min
